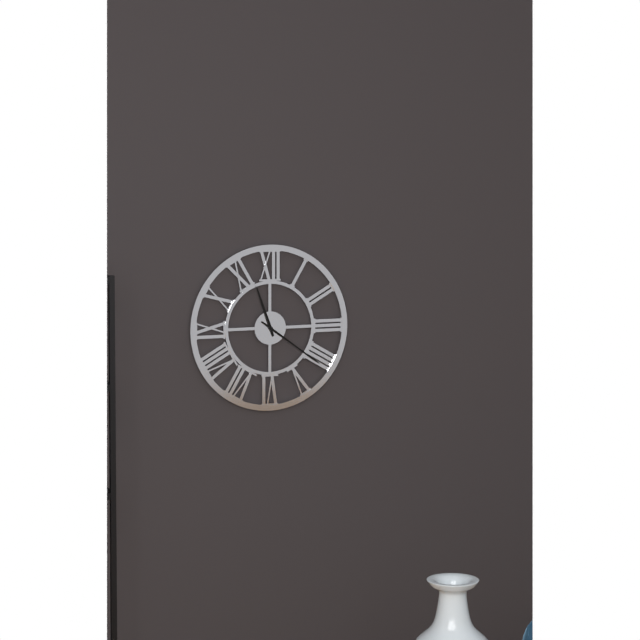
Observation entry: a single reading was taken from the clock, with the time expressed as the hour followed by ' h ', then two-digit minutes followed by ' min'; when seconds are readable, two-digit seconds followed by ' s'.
11 h 21 min
